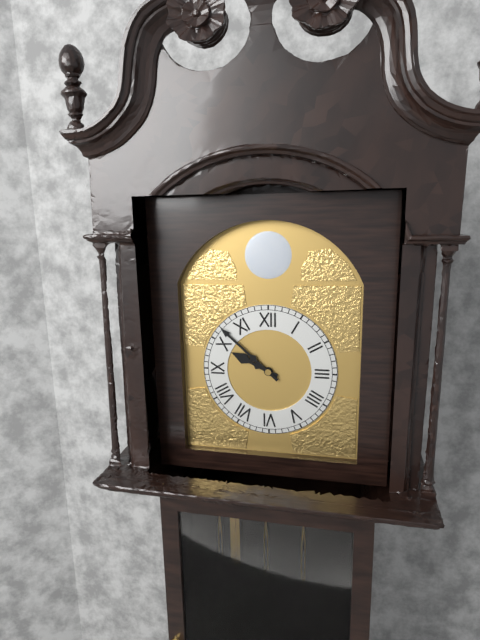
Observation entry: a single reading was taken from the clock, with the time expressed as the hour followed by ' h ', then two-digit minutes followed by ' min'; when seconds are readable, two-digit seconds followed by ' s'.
9 h 52 min
